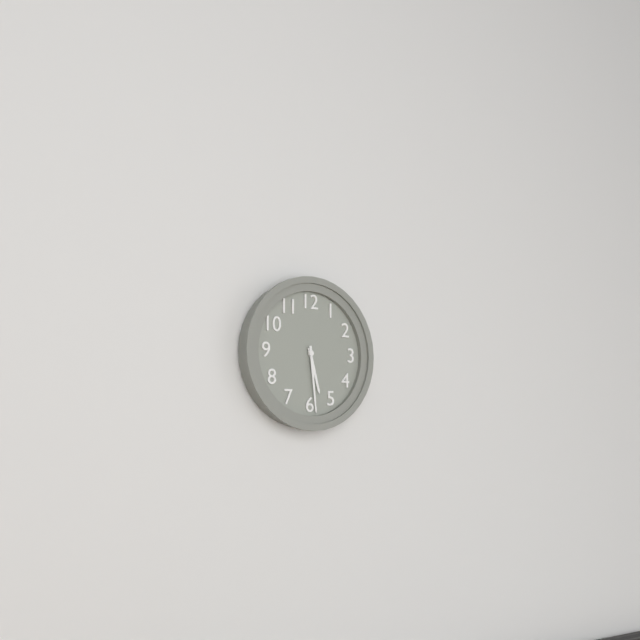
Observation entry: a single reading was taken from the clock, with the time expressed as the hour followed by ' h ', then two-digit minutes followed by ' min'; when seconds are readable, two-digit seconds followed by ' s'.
5 h 29 min
